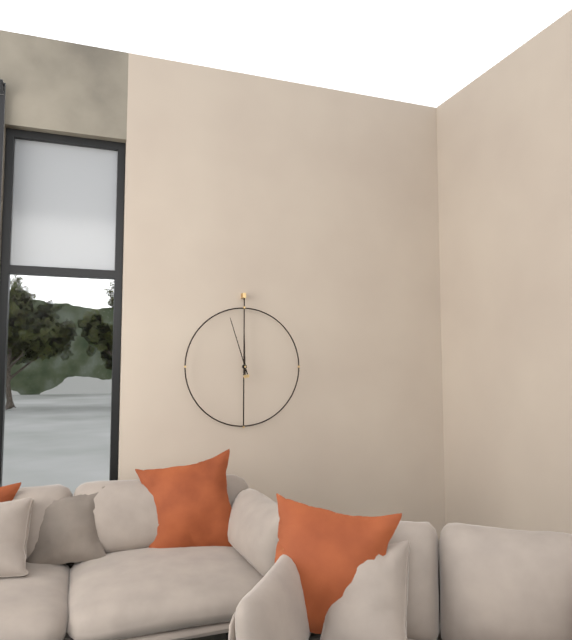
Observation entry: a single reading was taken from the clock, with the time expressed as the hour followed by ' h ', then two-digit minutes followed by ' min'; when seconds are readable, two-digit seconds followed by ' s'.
11 h 57 min
